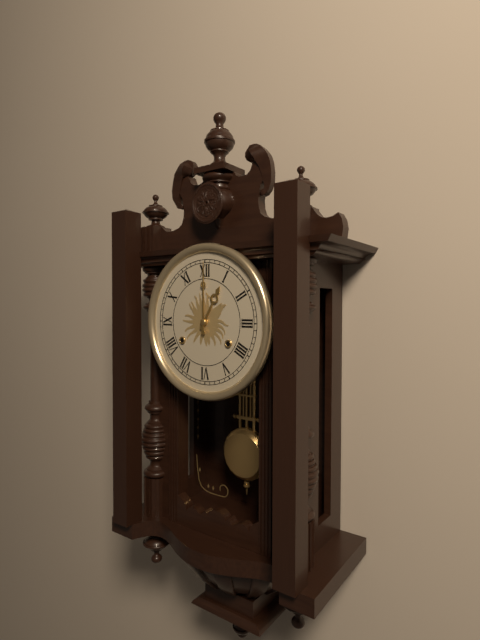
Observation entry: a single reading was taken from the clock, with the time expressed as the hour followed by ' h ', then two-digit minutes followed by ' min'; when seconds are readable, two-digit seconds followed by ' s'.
1 h 00 min
